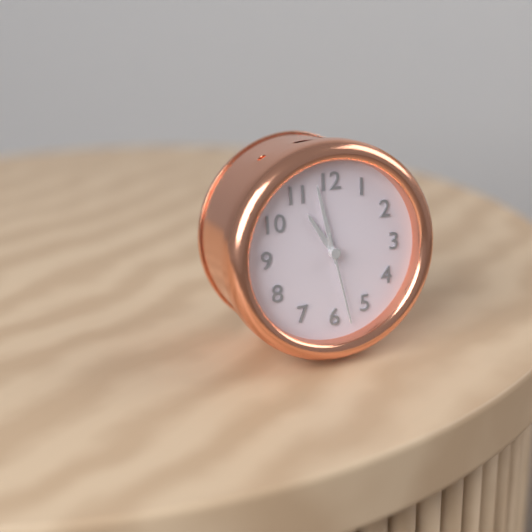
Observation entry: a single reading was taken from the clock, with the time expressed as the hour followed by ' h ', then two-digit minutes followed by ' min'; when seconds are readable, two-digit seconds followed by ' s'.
10 h 58 min 28 s
